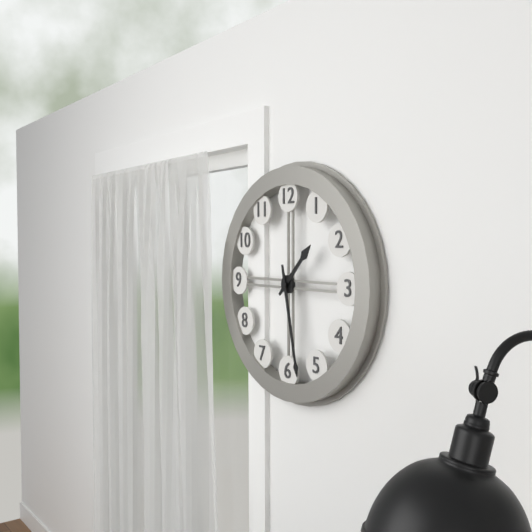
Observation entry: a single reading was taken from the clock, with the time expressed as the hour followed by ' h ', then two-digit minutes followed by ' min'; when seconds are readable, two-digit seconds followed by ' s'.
1 h 28 min
